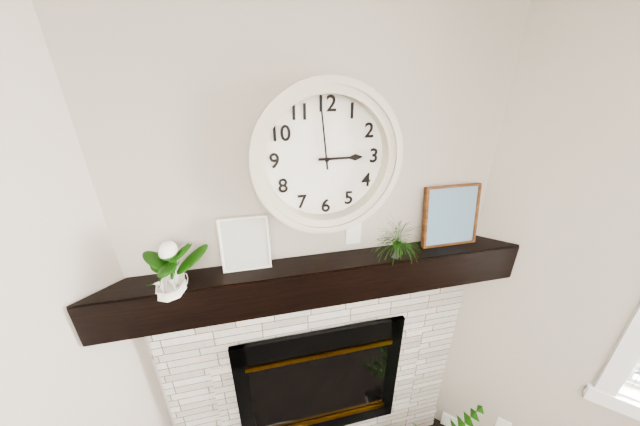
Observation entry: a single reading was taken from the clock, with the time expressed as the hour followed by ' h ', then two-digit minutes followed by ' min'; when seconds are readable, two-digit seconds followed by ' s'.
2 h 59 min
